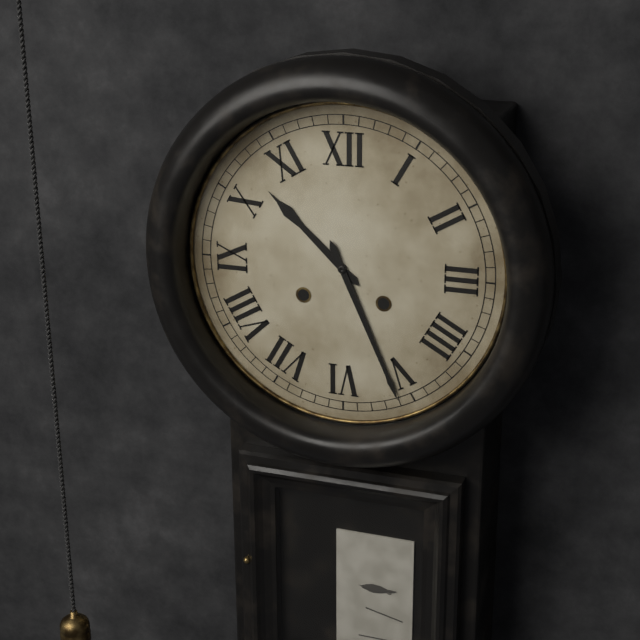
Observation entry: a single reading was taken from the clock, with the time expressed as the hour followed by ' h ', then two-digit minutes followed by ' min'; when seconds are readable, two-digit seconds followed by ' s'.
10 h 26 min
